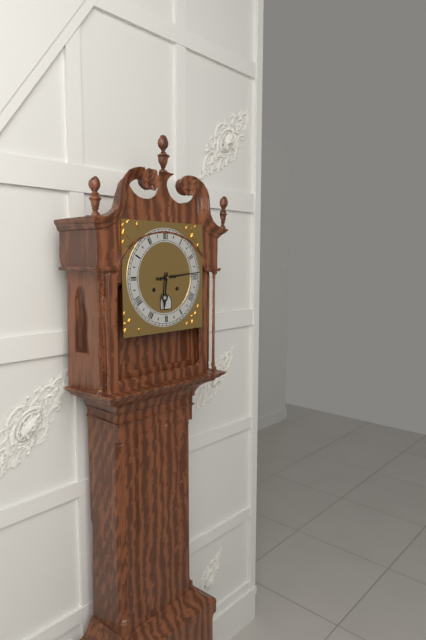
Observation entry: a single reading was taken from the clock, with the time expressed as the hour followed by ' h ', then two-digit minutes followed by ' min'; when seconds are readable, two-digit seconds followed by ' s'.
6 h 14 min
